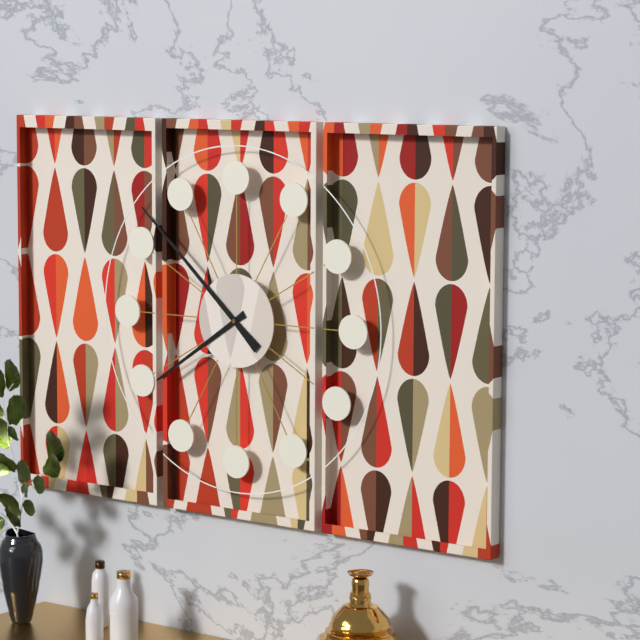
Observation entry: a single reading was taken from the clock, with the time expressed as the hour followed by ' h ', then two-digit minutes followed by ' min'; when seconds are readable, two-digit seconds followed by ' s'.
7 h 52 min
